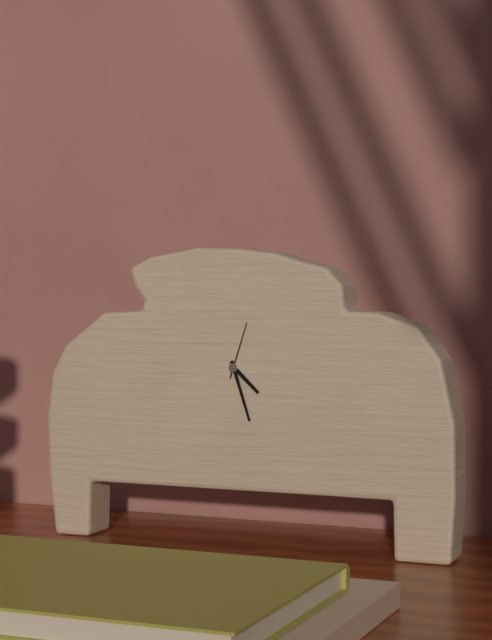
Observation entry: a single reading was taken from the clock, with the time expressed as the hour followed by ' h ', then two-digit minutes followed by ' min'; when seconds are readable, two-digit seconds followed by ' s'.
4 h 27 min 03 s
